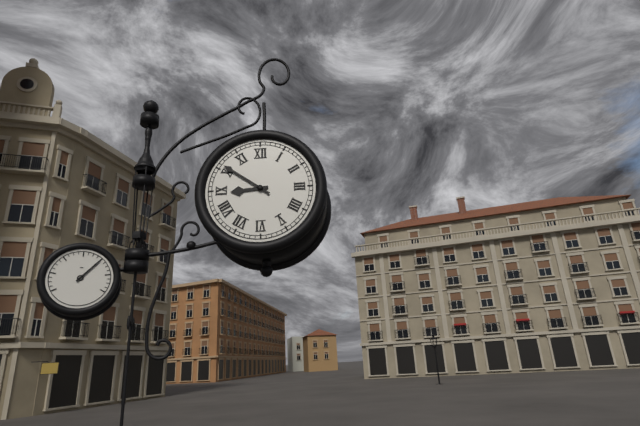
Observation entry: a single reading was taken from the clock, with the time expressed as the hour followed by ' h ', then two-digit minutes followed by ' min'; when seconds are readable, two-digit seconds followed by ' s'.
8 h 51 min
